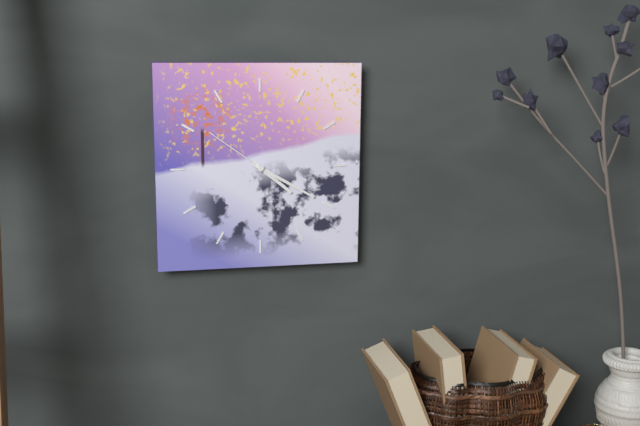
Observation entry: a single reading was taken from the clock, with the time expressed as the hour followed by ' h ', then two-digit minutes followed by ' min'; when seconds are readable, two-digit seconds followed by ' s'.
4 h 20 min 51 s
